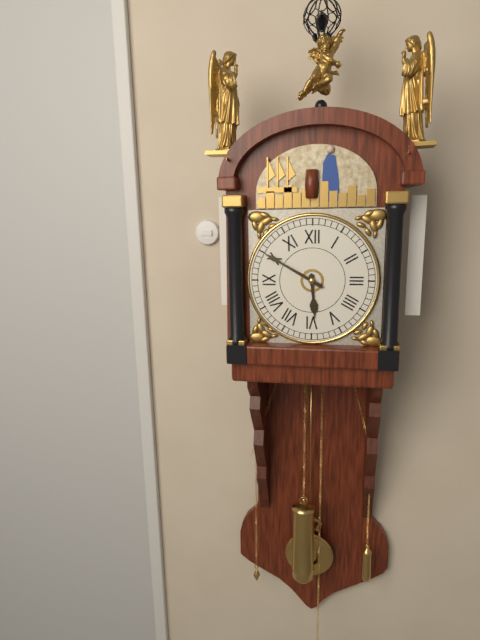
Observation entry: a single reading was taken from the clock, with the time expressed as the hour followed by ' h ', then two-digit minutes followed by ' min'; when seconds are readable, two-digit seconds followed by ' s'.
5 h 50 min
